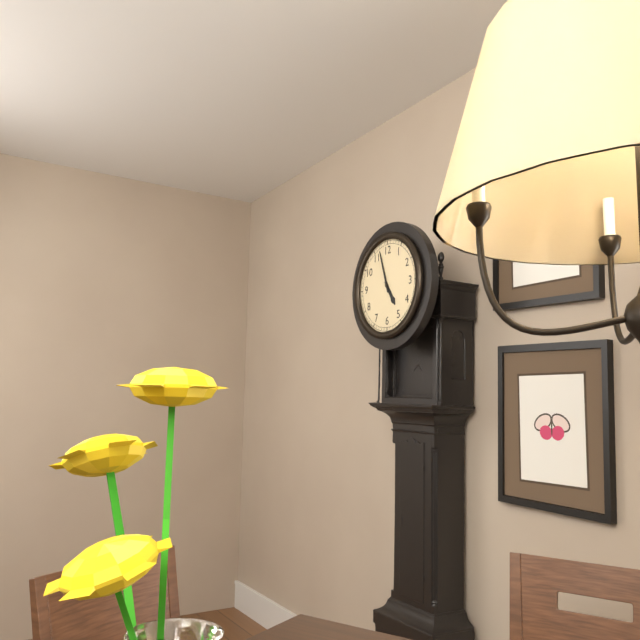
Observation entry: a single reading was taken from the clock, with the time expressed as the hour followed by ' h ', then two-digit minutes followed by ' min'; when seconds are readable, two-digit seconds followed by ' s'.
4 h 57 min
